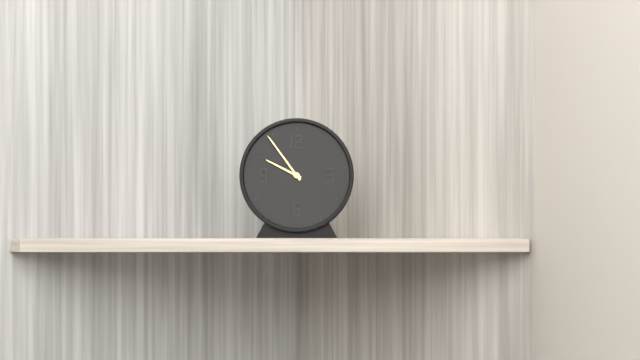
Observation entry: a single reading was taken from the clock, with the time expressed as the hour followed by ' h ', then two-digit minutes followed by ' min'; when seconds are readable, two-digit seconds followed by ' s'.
9 h 54 min
